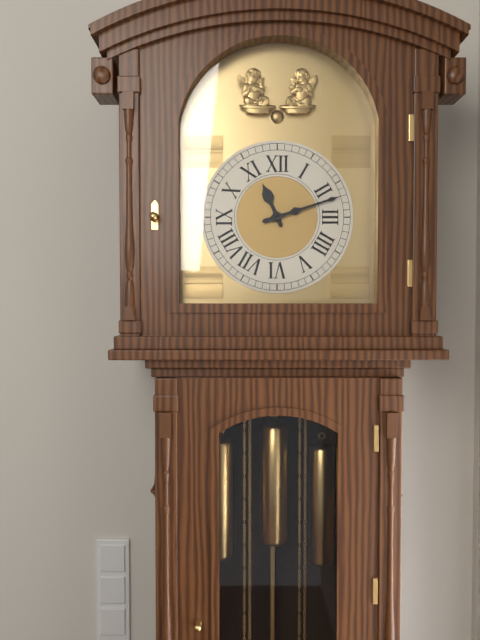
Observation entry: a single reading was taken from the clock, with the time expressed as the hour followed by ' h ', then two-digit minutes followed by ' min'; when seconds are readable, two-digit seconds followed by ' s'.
11 h 12 min
